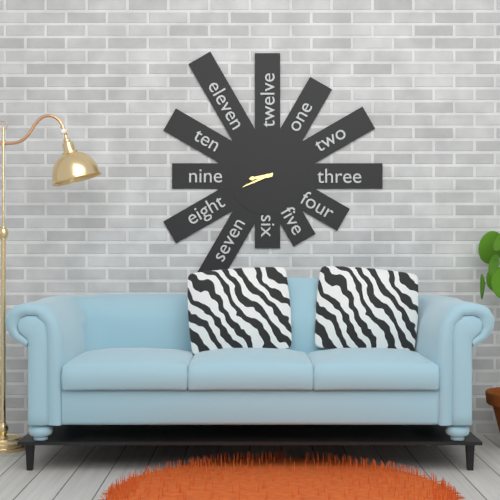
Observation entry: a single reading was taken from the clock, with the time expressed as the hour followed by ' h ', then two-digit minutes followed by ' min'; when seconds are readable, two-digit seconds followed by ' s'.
8 h 41 min
